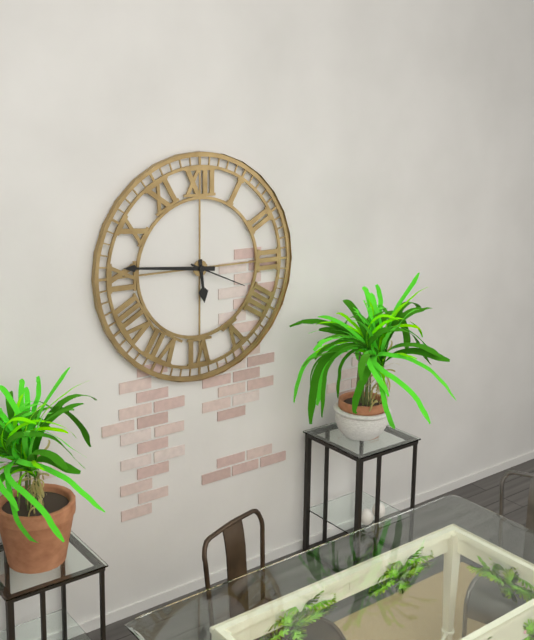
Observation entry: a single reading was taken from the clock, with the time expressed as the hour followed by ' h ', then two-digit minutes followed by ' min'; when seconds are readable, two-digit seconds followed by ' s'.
5 h 46 min 19 s
